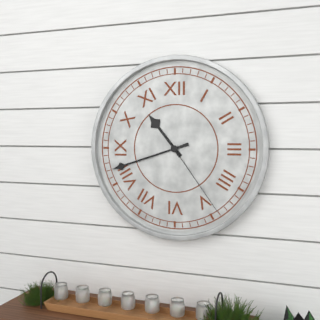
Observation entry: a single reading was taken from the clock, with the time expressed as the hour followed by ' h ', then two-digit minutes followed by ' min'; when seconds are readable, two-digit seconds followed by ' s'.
10 h 42 min 24 s
